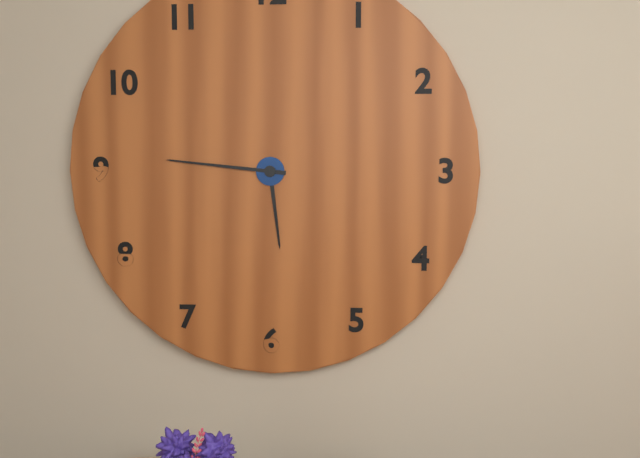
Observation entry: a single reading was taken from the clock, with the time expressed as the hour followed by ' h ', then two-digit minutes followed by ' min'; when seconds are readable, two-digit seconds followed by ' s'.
5 h 46 min
